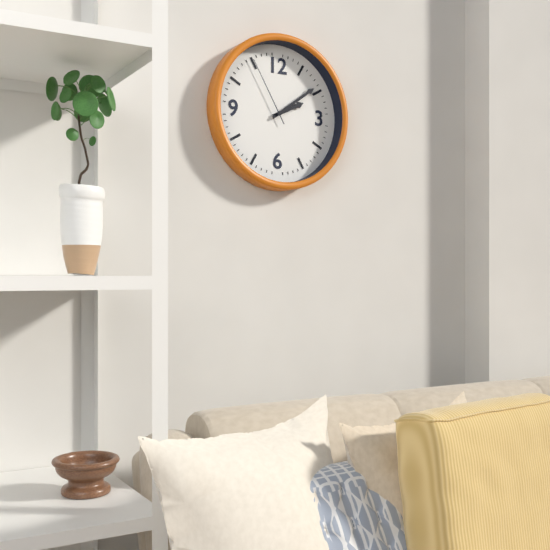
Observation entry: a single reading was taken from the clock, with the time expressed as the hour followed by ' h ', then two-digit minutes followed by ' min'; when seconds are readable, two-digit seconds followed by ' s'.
2 h 09 min 55 s
